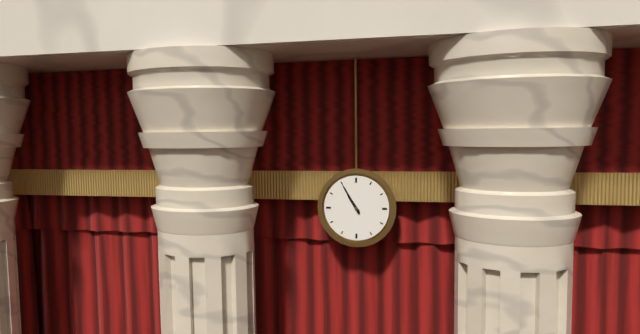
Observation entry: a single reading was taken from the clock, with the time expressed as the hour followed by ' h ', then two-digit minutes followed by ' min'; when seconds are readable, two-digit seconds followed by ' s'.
10 h 55 min
